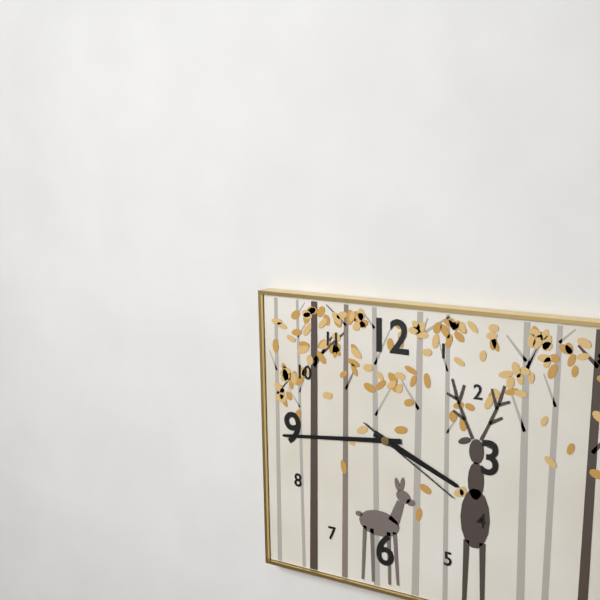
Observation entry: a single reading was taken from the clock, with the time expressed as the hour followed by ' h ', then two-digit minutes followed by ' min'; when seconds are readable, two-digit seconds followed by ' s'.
3 h 44 min 20 s
